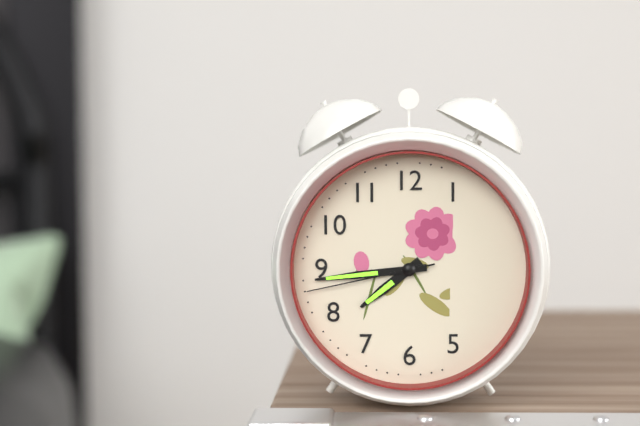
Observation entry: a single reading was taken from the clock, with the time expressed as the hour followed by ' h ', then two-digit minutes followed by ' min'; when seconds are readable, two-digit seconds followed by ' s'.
7 h 44 min 43 s
